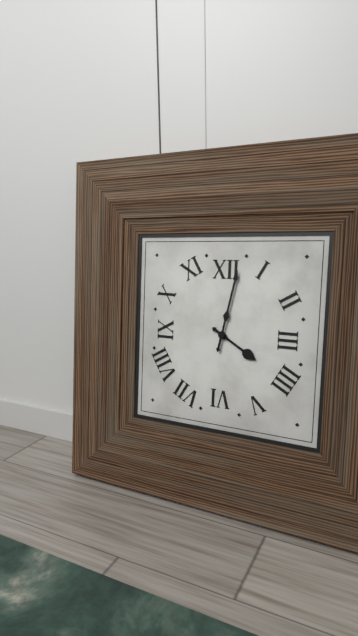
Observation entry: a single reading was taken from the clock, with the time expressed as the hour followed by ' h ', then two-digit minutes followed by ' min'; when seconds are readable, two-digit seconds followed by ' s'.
4 h 02 min
